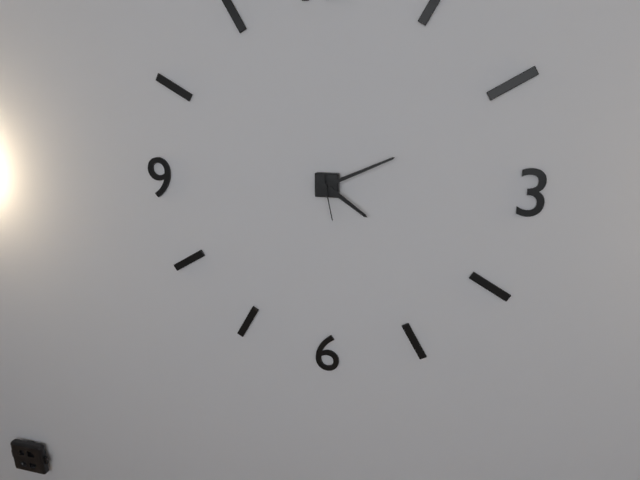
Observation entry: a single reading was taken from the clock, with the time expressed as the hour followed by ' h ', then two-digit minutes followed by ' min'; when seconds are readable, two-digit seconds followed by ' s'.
4 h 11 min
